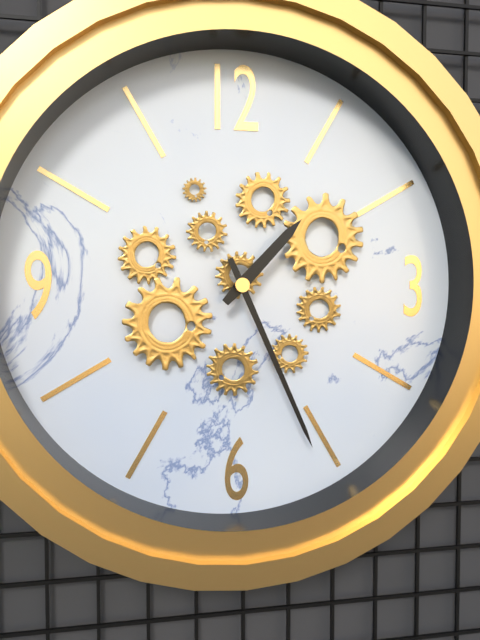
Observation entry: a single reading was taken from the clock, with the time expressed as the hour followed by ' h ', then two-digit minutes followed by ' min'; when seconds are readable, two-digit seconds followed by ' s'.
1 h 26 min
